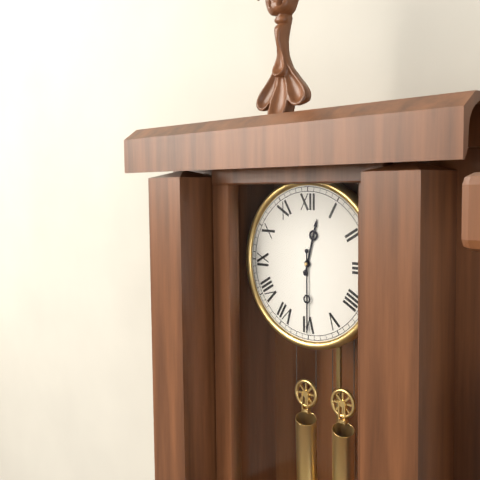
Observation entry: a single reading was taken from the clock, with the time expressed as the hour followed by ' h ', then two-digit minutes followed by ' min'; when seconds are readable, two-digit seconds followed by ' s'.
12 h 30 min
